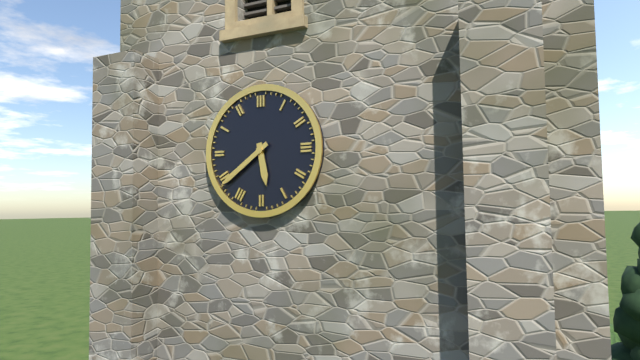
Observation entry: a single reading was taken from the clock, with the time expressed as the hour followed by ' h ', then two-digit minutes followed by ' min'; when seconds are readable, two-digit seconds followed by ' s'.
5 h 39 min
